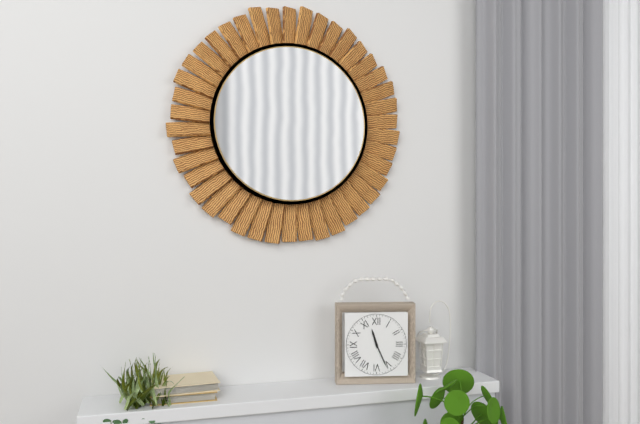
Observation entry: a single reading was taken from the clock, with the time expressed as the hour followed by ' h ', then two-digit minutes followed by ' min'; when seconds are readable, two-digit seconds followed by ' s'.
11 h 26 min
